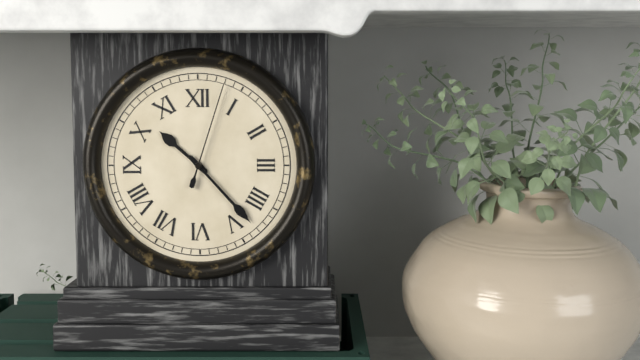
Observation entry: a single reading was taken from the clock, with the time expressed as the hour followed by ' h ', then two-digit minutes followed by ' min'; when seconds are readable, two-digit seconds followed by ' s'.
10 h 23 min 03 s
